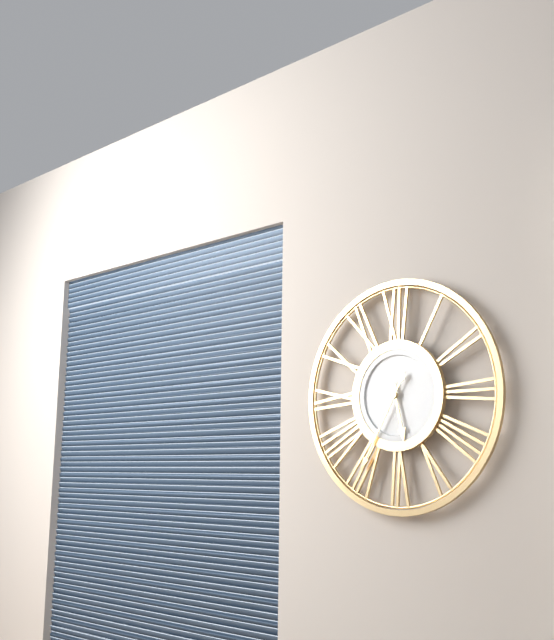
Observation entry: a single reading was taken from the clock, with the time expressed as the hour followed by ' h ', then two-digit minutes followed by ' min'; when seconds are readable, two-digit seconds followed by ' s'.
5 h 35 min
